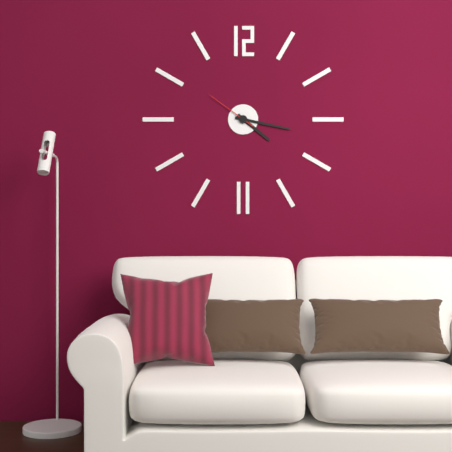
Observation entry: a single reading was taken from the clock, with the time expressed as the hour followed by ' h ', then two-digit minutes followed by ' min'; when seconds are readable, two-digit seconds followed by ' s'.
4 h 17 min 51 s
